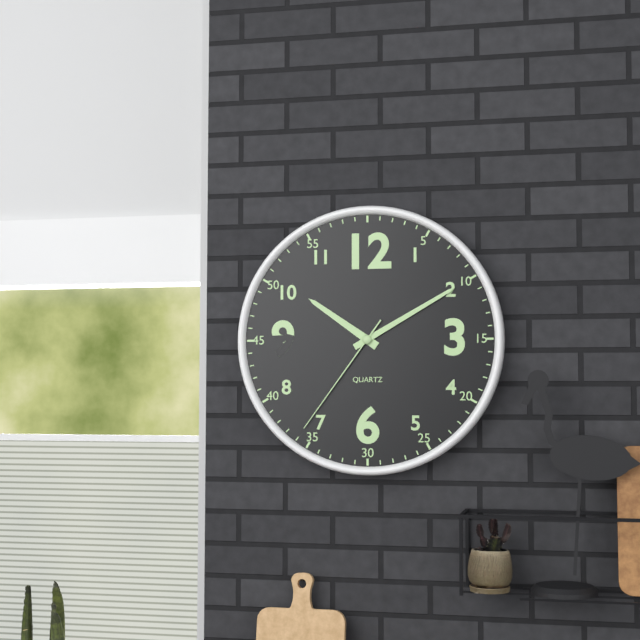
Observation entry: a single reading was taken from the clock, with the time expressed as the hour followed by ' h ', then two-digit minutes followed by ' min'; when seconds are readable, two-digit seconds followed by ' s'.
10 h 10 min 36 s
